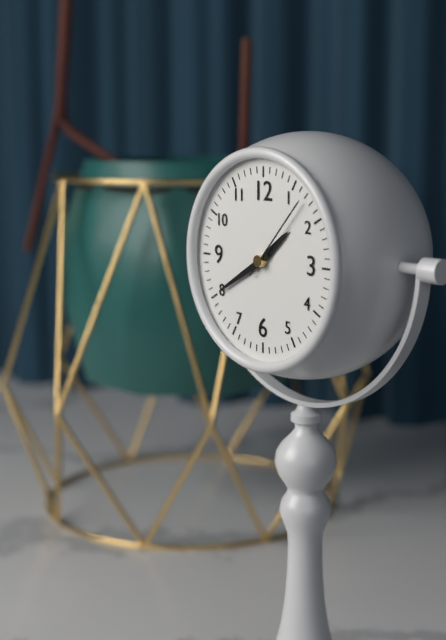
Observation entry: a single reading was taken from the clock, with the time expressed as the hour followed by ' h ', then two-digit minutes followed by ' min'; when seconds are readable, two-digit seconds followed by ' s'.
1 h 40 min 07 s
